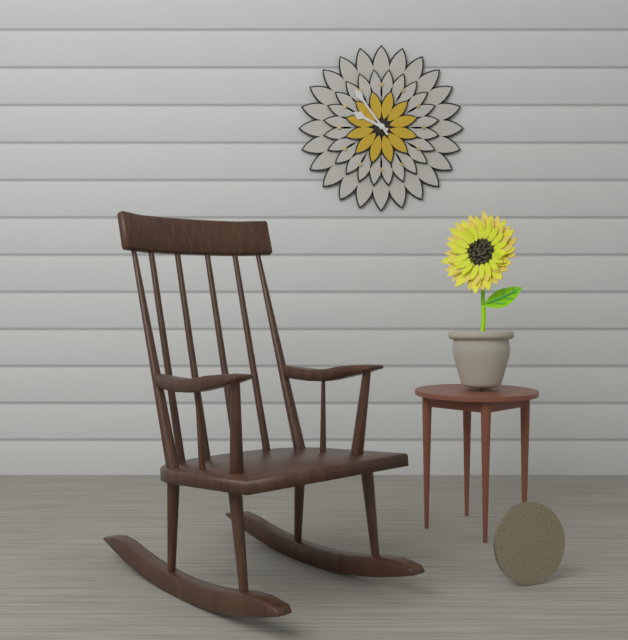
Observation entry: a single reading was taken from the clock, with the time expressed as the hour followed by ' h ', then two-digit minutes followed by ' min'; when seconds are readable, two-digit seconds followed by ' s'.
9 h 54 min
